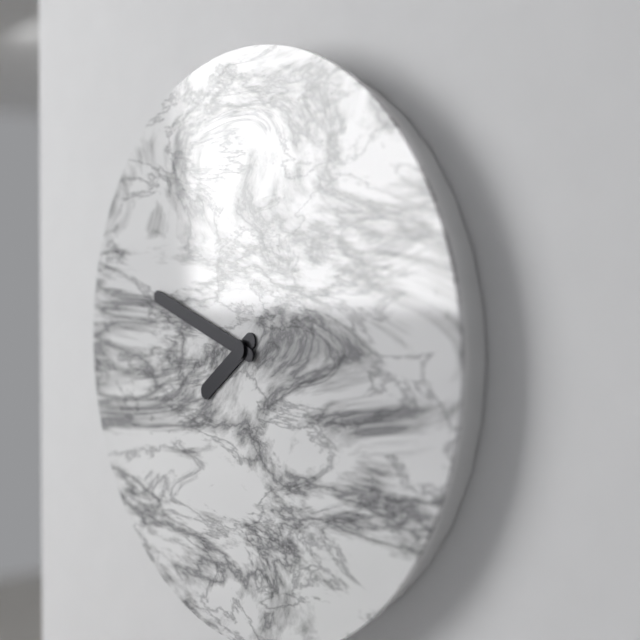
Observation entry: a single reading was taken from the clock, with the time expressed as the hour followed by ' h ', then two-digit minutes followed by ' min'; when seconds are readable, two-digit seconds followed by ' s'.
7 h 48 min
